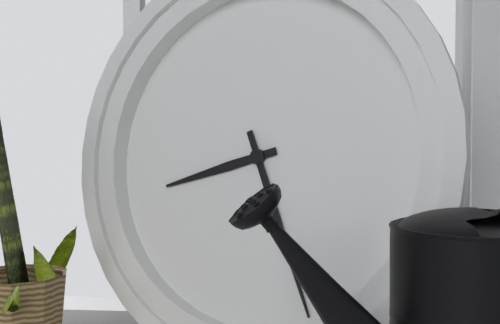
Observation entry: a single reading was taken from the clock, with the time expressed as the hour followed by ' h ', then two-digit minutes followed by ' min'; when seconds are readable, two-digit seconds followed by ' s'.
8 h 26 min
